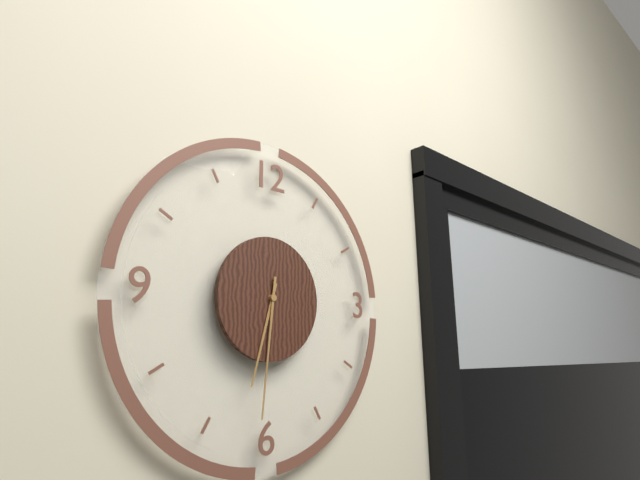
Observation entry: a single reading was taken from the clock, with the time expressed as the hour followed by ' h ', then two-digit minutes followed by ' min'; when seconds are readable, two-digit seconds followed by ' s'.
6 h 31 min
